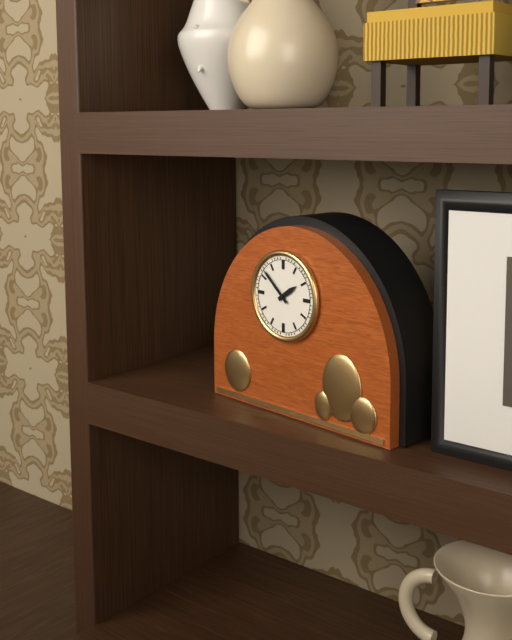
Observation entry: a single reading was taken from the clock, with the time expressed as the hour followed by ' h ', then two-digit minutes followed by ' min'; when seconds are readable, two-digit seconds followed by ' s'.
1 h 52 min
